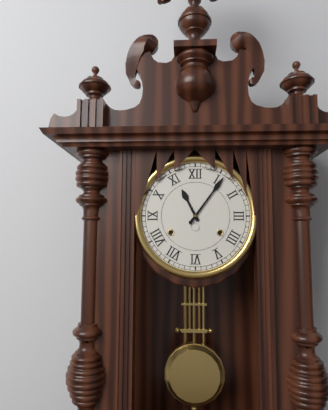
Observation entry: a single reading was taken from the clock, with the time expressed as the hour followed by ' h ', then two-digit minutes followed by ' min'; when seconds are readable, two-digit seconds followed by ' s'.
11 h 06 min
